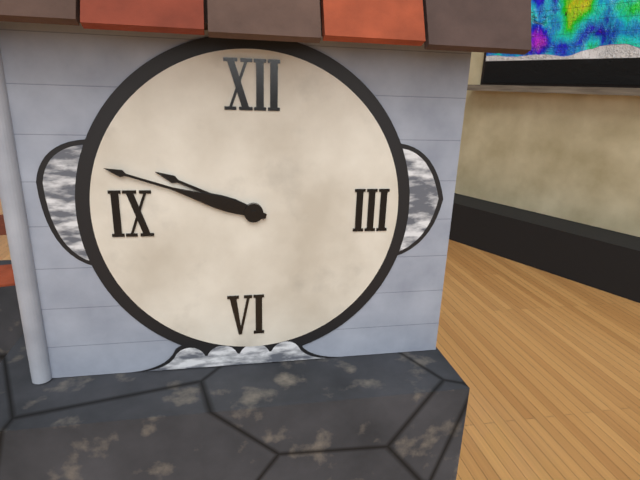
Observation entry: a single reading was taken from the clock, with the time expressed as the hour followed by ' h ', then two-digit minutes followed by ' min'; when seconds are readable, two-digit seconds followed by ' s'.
9 h 48 min
